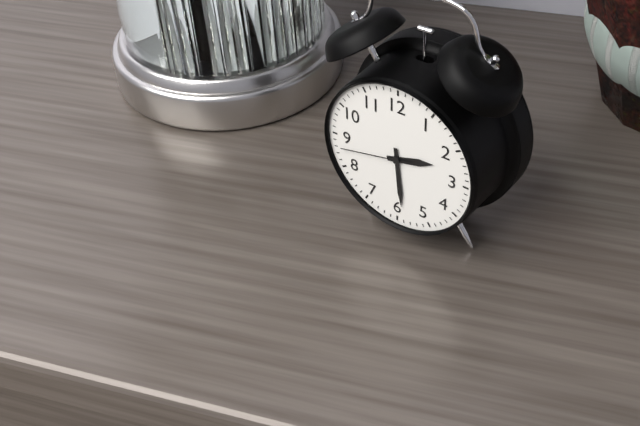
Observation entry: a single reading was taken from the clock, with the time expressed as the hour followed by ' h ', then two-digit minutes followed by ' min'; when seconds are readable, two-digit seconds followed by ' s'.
2 h 29 min 43 s
